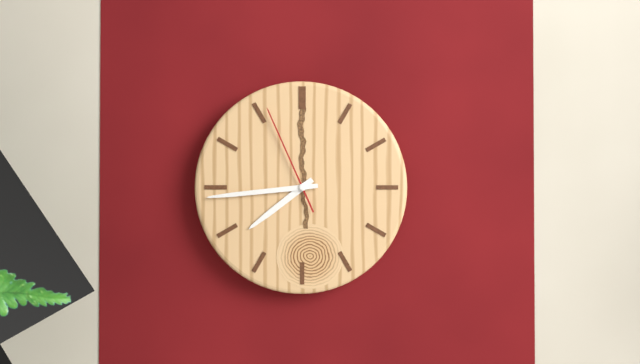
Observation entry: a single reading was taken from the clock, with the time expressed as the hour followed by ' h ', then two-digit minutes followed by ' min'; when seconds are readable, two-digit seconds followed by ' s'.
7 h 44 min 56 s
